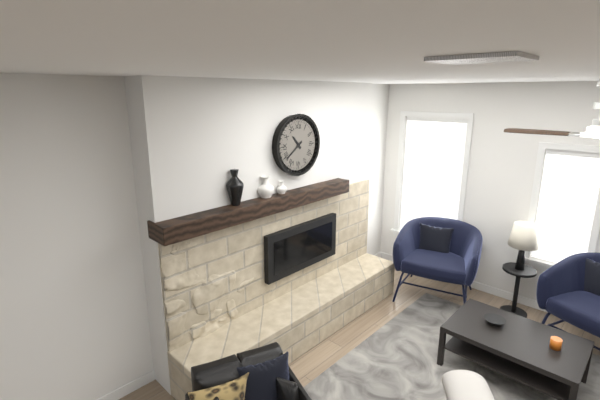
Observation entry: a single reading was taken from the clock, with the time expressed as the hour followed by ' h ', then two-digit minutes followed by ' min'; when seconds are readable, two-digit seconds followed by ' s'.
10 h 39 min
